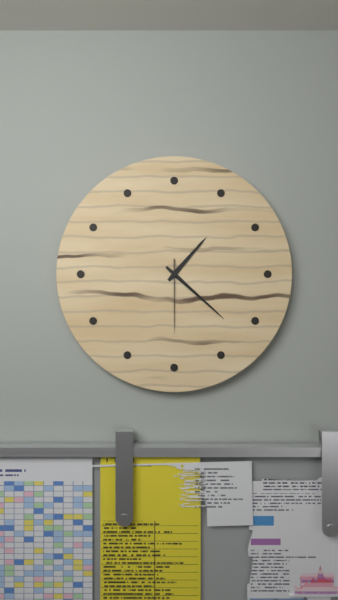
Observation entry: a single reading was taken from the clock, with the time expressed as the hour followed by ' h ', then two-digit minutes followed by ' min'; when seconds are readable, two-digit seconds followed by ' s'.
1 h 22 min 30 s
